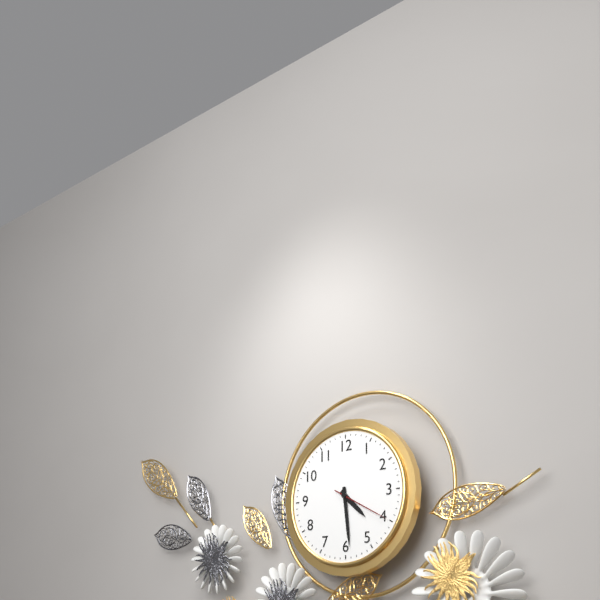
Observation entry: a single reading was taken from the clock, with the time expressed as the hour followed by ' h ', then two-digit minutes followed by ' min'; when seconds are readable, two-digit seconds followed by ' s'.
4 h 29 min 20 s
